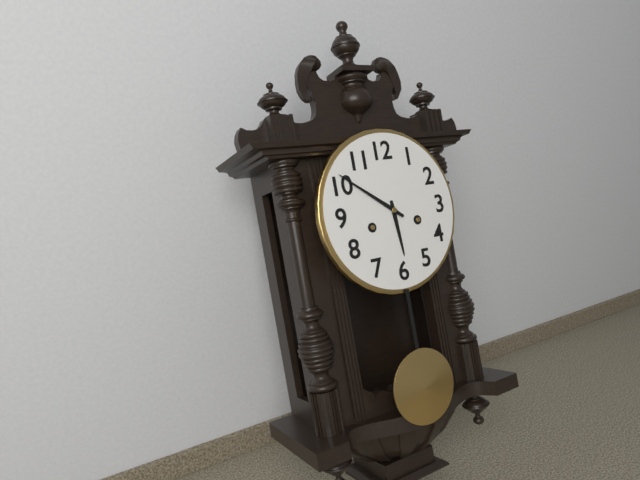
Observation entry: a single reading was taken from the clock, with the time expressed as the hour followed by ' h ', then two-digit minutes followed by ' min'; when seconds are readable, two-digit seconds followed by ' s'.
5 h 51 min
